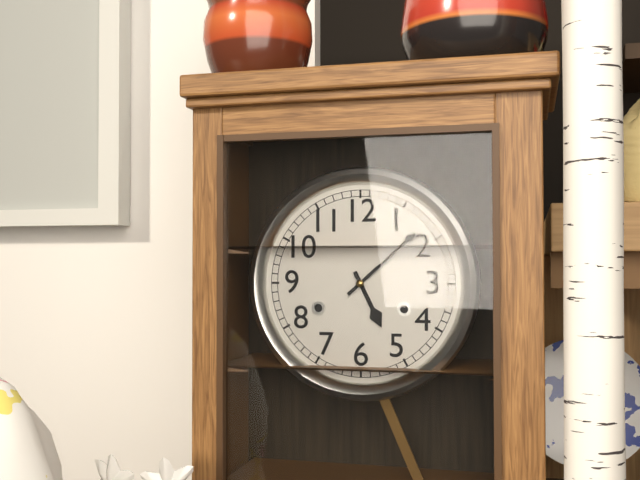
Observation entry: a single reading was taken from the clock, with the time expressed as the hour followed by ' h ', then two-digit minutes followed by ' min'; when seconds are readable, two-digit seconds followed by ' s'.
5 h 08 min
